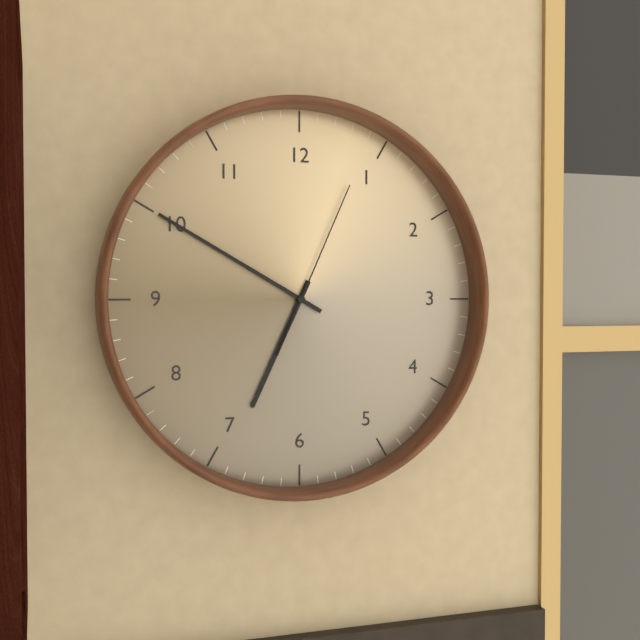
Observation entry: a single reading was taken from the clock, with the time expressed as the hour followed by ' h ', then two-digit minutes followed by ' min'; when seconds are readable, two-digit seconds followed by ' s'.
6 h 50 min 04 s
